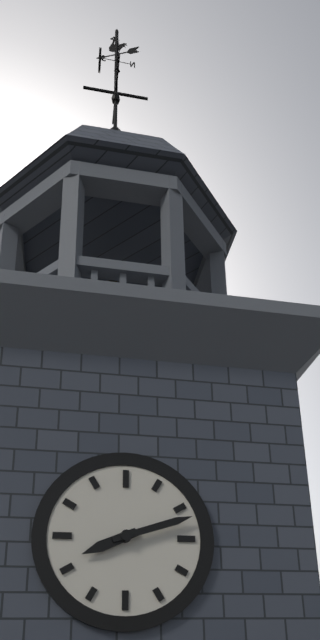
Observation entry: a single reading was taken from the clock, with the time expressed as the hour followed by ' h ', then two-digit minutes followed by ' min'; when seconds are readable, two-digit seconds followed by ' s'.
8 h 12 min
